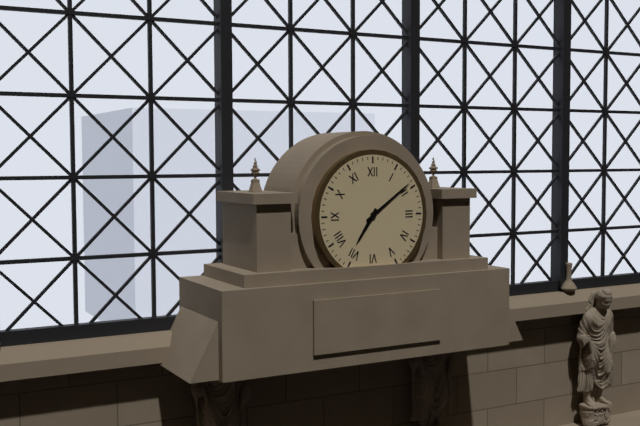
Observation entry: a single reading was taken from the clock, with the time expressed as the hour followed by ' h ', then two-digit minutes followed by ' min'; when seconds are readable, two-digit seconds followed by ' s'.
7 h 09 min
